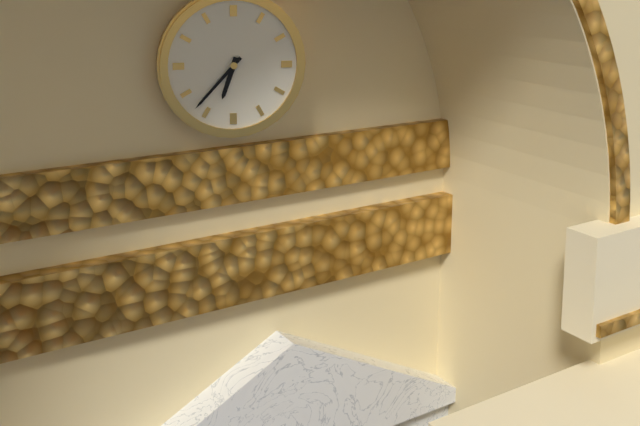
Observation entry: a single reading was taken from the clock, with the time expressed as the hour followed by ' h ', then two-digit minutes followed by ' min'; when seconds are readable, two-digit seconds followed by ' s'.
6 h 37 min
